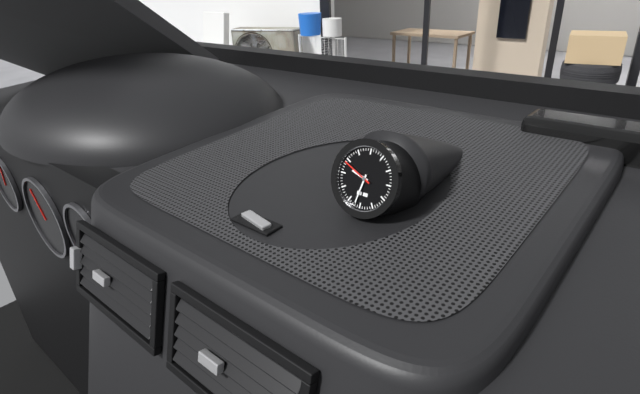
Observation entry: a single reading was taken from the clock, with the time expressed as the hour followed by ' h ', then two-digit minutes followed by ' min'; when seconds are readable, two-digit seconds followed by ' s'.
9 h 32 min
